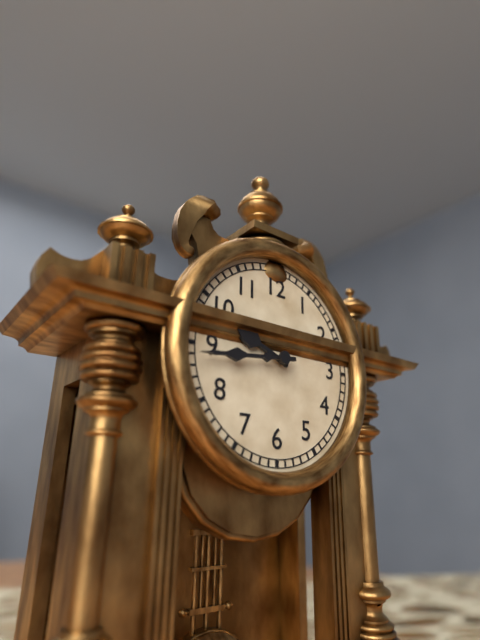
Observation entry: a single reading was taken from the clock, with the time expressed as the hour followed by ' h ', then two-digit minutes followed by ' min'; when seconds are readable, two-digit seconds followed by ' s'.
9 h 44 min
